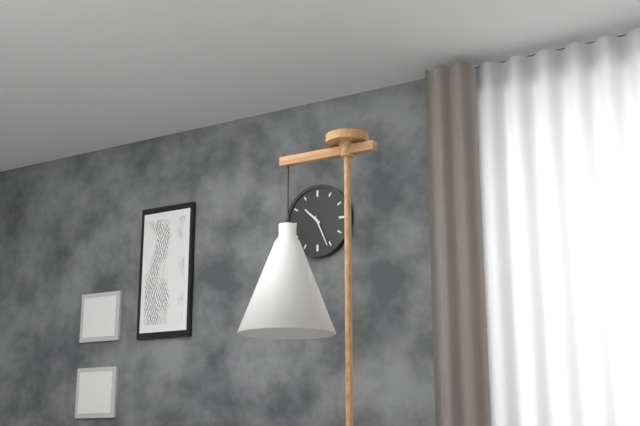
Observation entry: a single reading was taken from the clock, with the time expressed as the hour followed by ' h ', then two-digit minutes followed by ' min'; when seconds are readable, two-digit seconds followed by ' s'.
10 h 26 min
